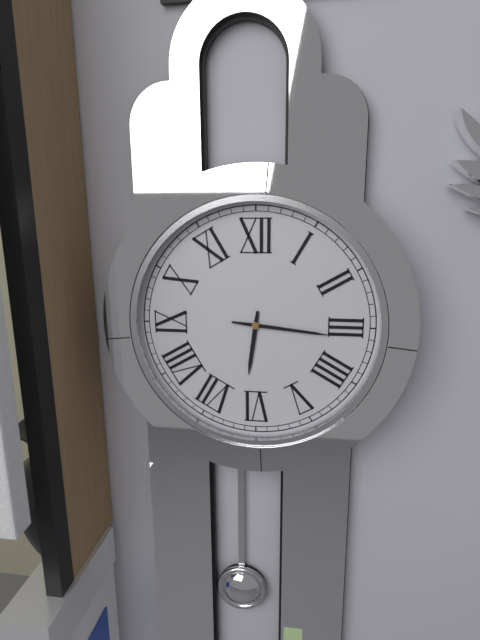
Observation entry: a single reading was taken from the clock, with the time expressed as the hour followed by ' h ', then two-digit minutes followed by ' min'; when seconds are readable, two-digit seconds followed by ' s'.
6 h 16 min
